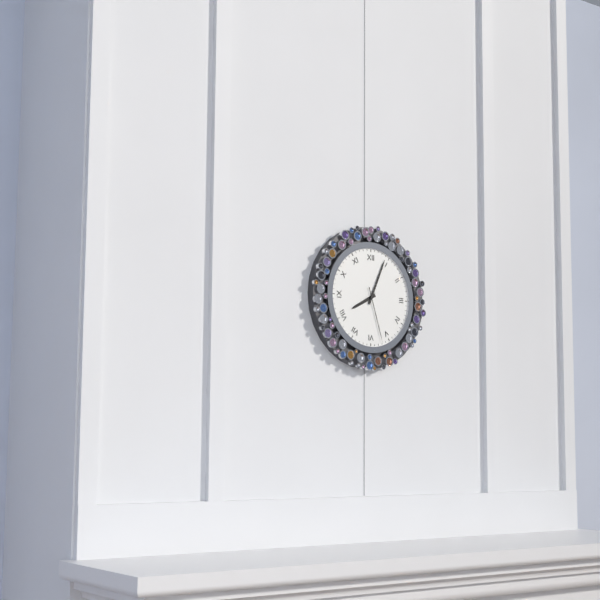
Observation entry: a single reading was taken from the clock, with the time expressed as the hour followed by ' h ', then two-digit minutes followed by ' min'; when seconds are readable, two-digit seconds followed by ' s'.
8 h 04 min 27 s
